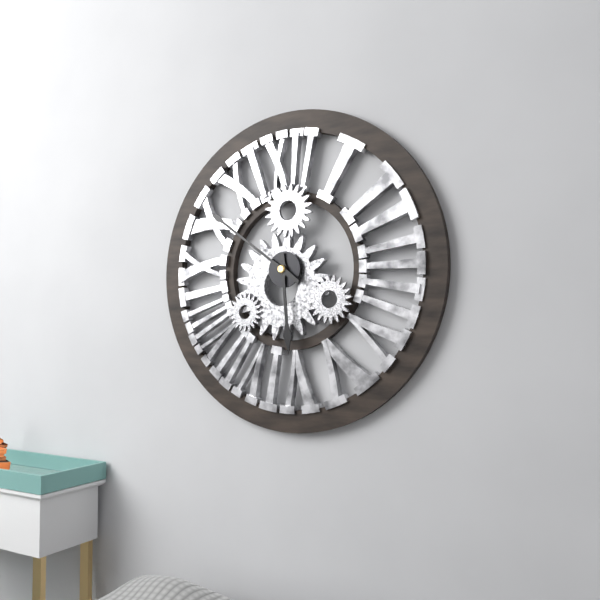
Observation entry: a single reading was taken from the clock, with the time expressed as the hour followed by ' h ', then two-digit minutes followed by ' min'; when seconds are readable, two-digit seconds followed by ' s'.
5 h 51 min
